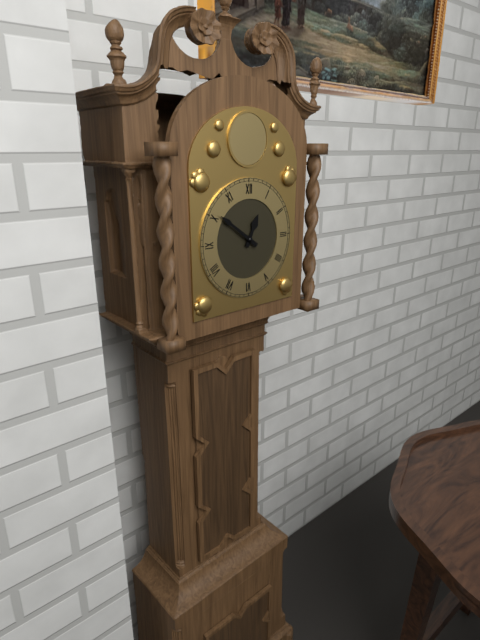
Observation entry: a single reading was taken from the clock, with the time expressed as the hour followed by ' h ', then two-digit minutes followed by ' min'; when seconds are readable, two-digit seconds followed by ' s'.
12 h 51 min
